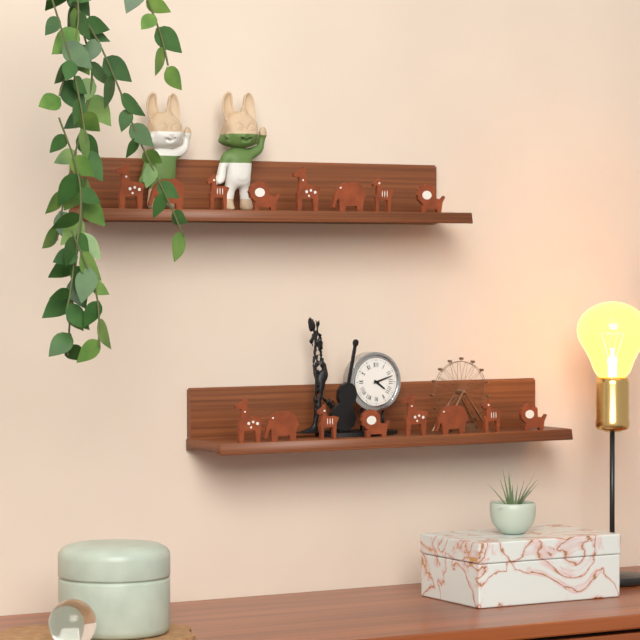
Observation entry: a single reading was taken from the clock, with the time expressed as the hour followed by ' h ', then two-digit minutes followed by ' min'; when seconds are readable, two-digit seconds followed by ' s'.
4 h 12 min
